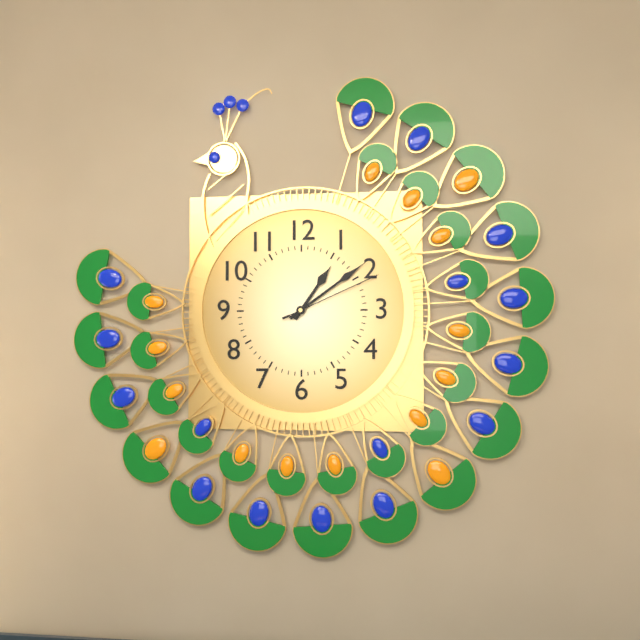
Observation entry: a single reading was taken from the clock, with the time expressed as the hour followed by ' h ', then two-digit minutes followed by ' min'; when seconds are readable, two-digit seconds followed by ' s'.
1 h 09 min 11 s
